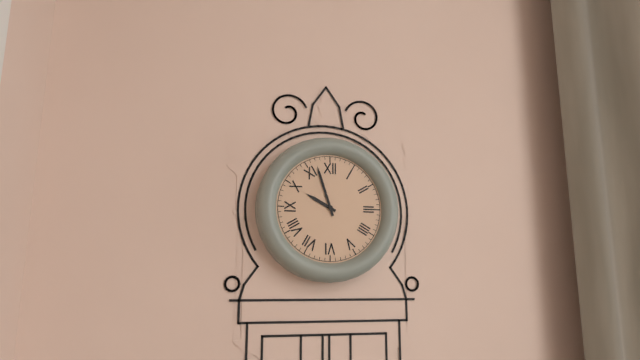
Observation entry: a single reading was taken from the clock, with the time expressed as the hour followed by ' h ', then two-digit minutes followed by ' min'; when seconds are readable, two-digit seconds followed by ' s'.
9 h 57 min
